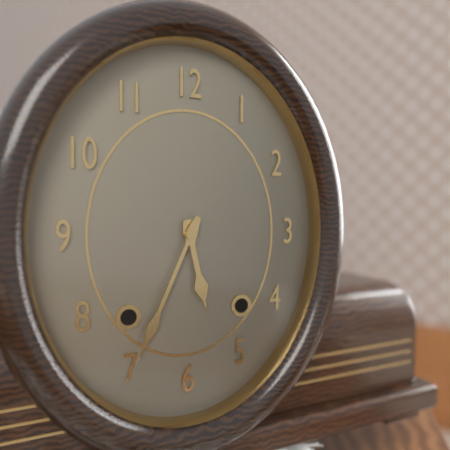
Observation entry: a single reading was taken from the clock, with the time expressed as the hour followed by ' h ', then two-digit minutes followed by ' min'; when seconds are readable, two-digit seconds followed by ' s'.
5 h 34 min
